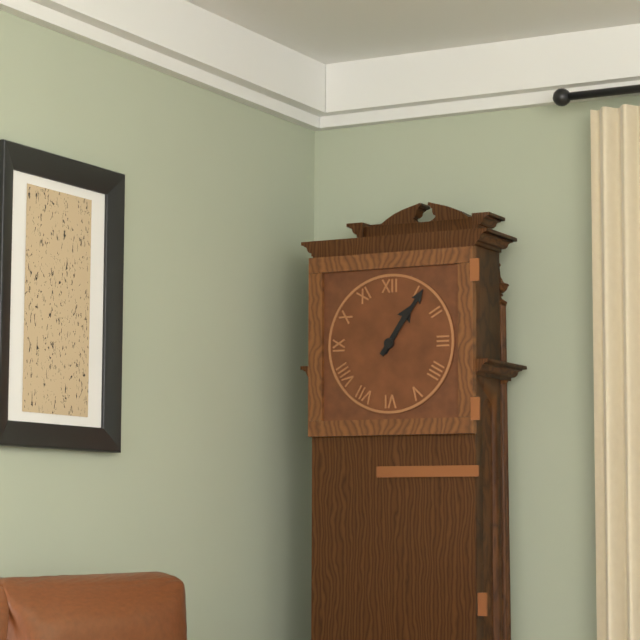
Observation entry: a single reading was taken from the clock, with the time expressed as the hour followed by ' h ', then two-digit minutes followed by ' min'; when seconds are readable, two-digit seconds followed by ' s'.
1 h 06 min
